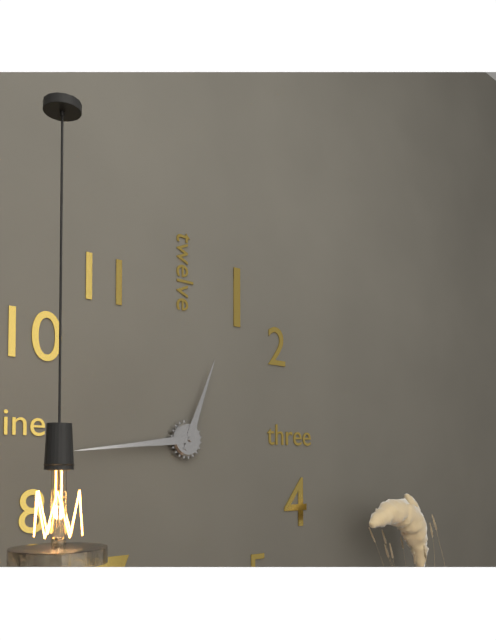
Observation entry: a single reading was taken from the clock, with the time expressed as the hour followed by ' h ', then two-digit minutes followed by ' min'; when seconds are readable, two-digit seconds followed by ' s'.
12 h 44 min
